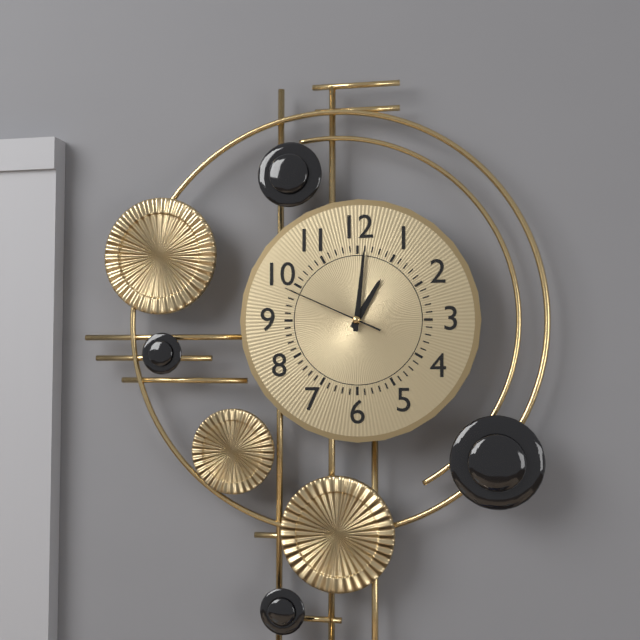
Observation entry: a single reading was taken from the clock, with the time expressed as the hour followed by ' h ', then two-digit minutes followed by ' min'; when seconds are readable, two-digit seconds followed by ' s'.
1 h 01 min 49 s
